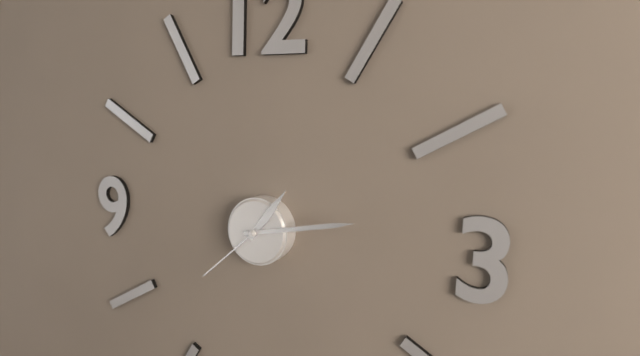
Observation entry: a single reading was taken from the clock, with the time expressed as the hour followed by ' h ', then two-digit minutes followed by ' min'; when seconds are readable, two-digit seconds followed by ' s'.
1 h 13 min 38 s
